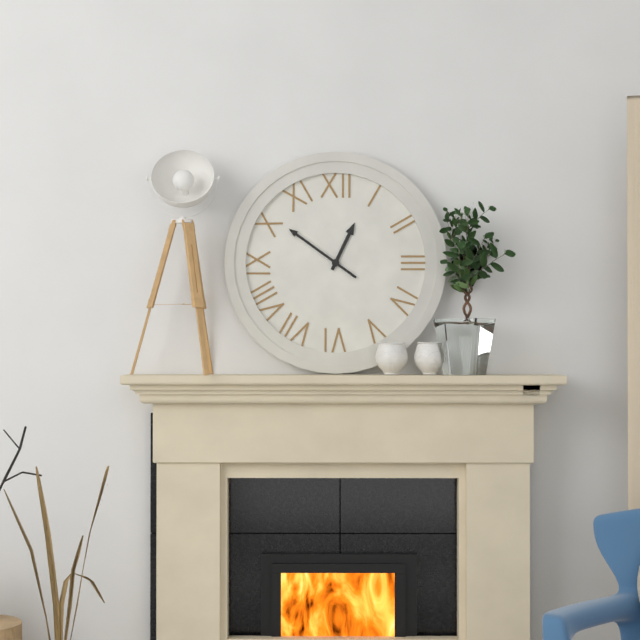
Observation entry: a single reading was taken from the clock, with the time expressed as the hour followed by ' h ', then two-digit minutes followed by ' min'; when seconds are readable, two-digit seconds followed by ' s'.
12 h 51 min
